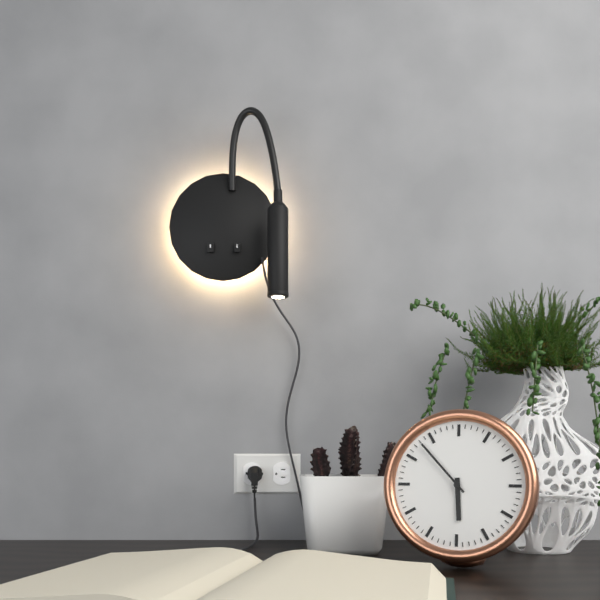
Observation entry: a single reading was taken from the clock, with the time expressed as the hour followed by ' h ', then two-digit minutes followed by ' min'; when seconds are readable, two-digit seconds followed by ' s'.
5 h 53 min
